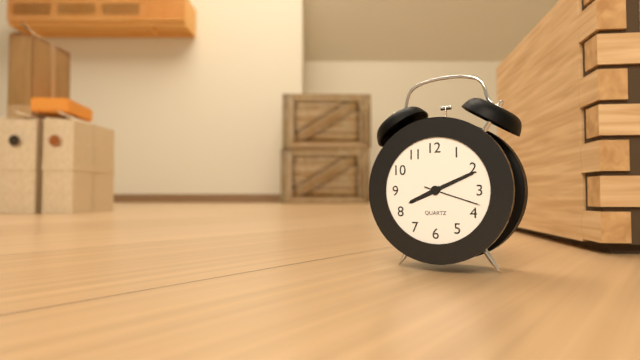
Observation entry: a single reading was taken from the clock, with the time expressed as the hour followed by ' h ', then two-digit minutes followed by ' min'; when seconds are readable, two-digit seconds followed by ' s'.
8 h 11 min 18 s
